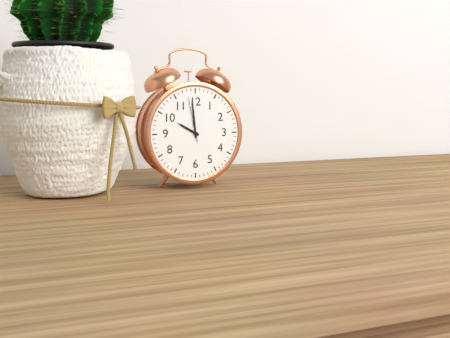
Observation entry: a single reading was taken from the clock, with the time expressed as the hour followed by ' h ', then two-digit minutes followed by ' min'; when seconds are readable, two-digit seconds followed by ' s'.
9 h 59 min
